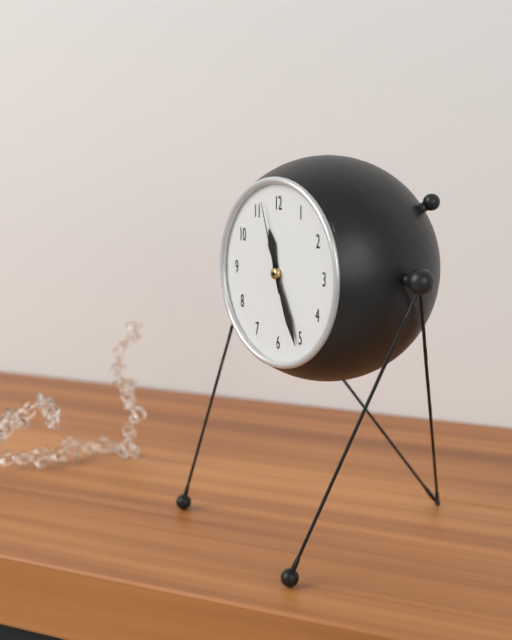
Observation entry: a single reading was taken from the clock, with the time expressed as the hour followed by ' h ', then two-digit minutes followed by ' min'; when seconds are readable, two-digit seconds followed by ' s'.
11 h 26 min 57 s
